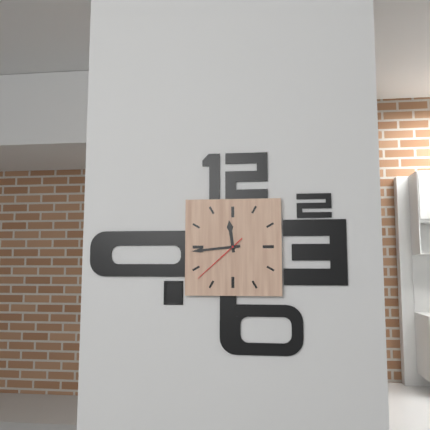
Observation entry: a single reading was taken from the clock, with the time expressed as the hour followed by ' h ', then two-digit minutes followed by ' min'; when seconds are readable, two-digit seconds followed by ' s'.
11 h 44 min 38 s
